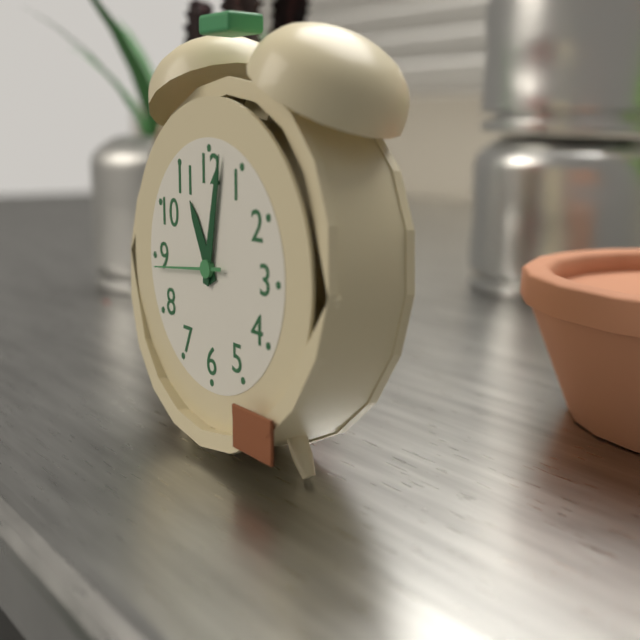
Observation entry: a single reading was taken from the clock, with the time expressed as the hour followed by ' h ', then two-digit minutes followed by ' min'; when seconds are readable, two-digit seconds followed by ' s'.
11 h 02 min 44 s
